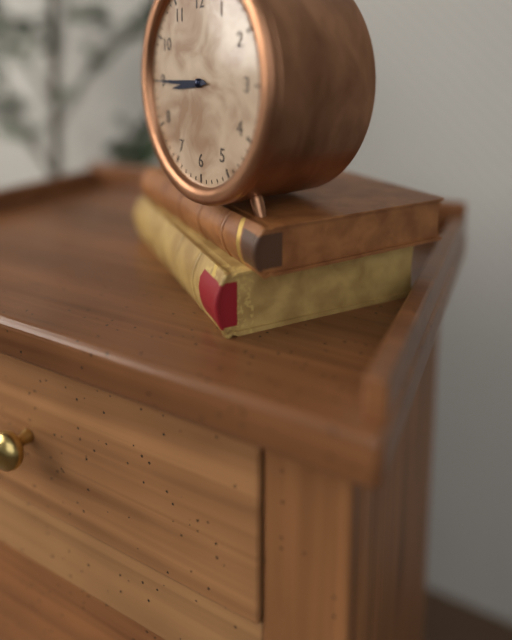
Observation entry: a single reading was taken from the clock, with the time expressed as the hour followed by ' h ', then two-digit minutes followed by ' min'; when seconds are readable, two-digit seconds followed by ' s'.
8 h 45 min
